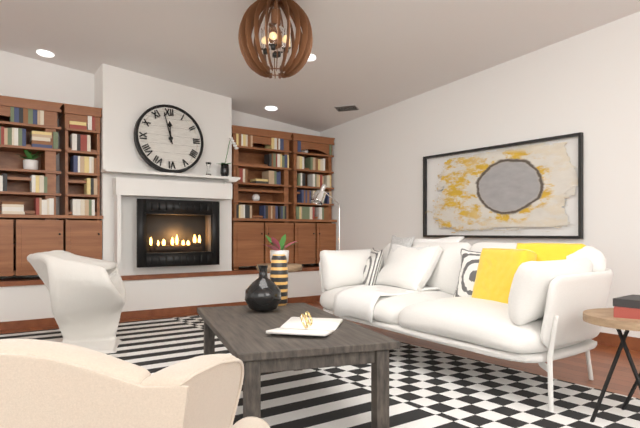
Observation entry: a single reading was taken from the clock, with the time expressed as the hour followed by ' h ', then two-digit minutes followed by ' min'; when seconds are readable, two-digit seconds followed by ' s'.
11 h 58 min
